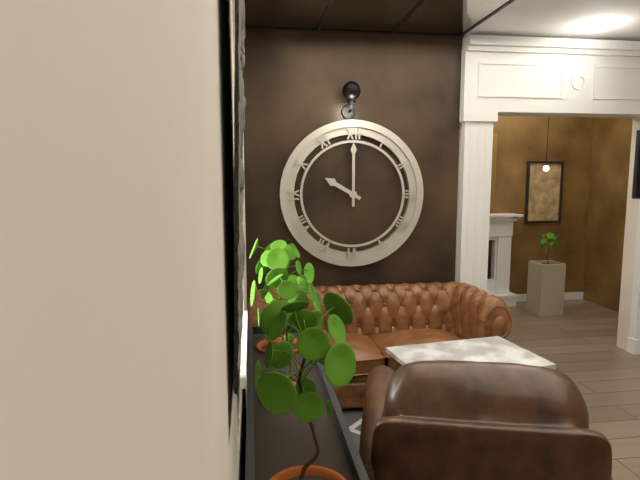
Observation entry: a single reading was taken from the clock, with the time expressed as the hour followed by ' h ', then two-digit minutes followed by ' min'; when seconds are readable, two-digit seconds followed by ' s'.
10 h 00 min
